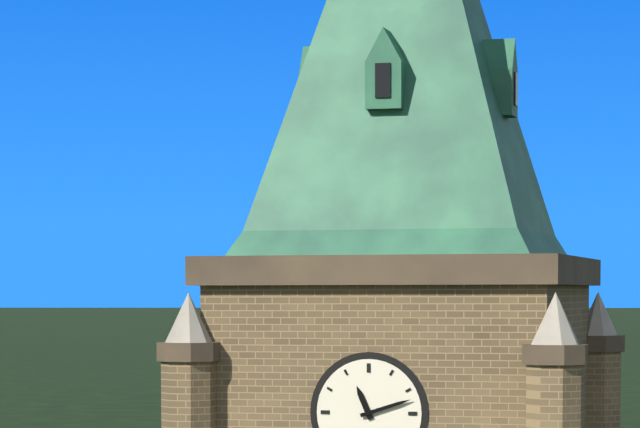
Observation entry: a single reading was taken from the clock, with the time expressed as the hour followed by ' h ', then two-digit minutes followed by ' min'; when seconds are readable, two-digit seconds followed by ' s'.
11 h 12 min
